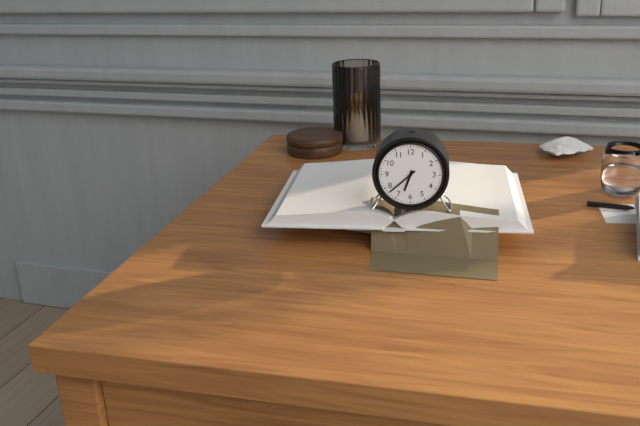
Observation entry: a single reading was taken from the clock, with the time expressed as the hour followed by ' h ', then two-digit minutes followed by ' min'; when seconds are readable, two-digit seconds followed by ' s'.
6 h 38 min
